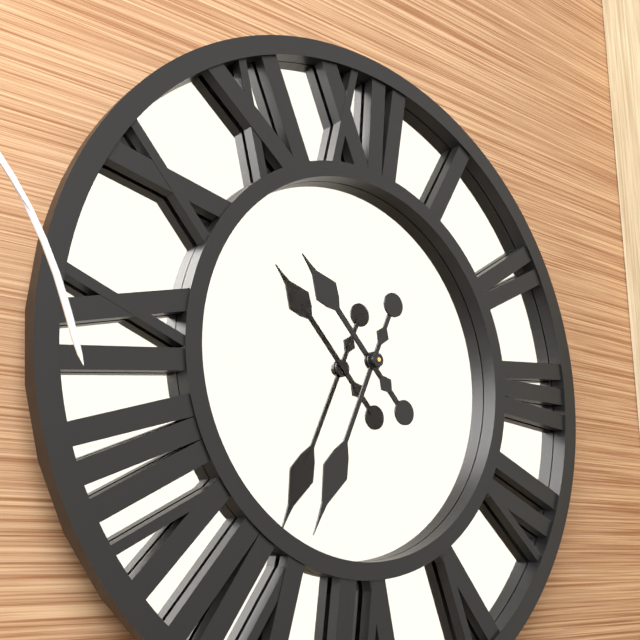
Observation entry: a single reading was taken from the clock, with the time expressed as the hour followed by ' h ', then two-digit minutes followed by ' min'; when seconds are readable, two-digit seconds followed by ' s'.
10 h 34 min
